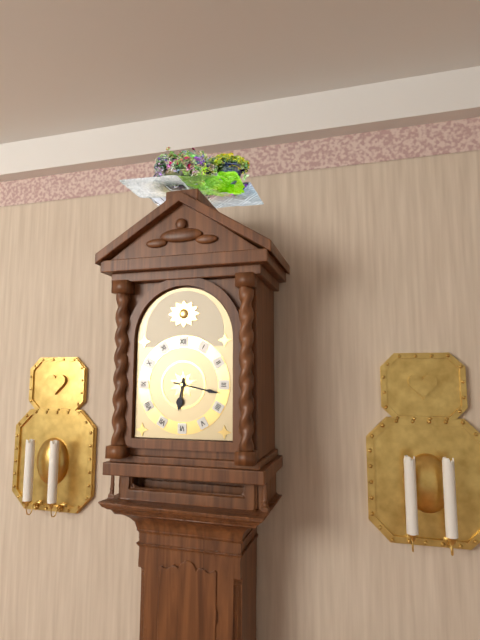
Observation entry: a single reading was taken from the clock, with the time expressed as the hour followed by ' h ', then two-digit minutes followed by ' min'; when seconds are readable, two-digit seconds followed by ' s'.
6 h 17 min
